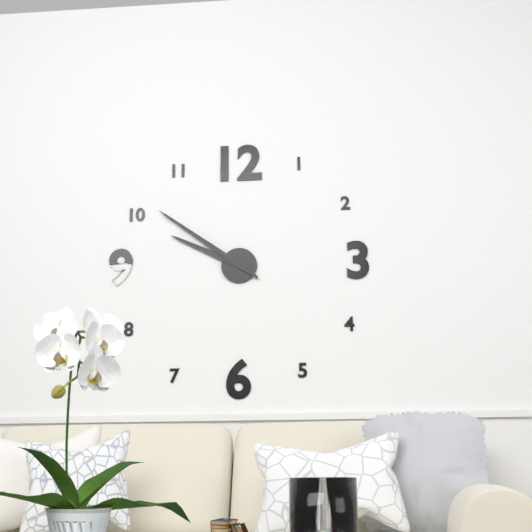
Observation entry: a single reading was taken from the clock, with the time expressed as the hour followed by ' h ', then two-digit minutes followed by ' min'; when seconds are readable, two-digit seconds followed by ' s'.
9 h 51 min
